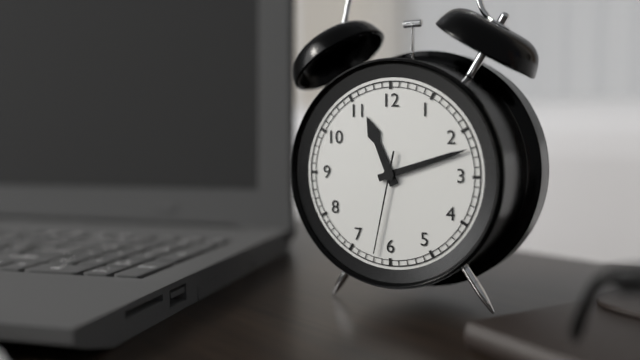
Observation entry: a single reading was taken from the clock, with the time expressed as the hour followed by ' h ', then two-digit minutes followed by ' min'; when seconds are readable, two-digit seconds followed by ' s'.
11 h 12 min 32 s
